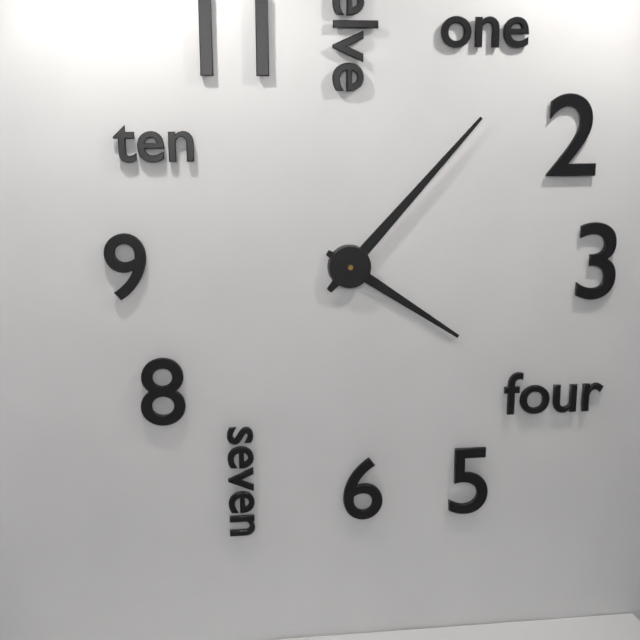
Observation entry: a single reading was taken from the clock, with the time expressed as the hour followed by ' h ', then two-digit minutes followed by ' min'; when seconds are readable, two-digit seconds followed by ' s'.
4 h 07 min
